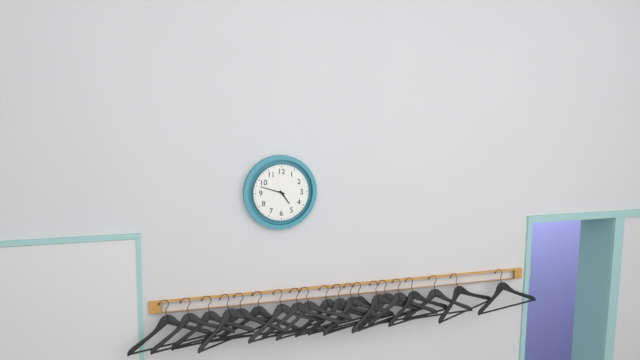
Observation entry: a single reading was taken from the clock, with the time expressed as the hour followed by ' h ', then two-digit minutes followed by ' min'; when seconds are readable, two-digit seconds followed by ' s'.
4 h 48 min
